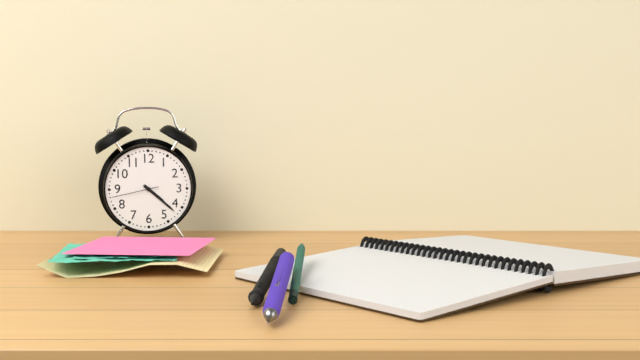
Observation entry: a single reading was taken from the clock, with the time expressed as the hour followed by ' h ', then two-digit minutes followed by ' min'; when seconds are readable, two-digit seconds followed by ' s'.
4 h 22 min
